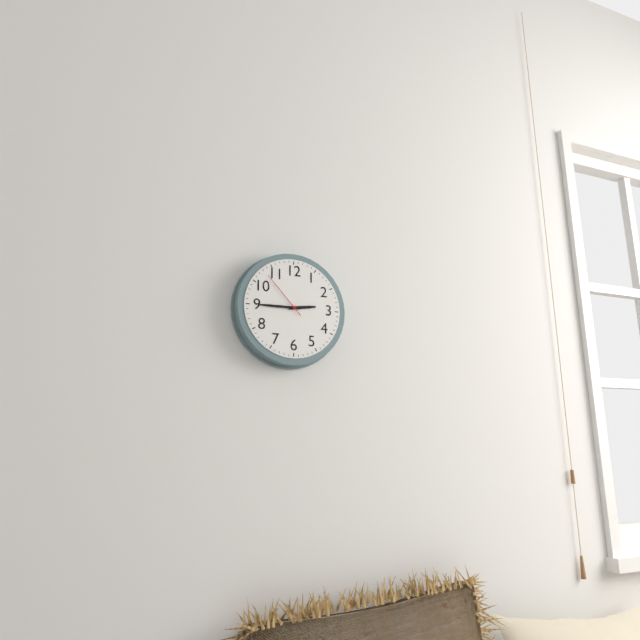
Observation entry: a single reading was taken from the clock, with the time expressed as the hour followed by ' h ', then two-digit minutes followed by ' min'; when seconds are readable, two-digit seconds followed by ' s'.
2 h 45 min 53 s
